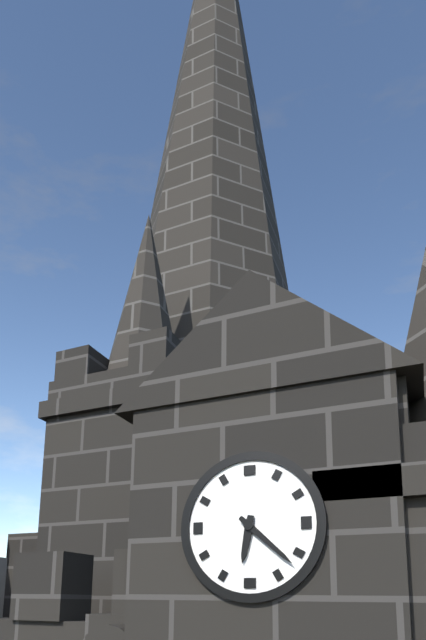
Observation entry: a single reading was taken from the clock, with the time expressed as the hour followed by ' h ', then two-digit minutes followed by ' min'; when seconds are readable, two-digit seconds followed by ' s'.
6 h 22 min
